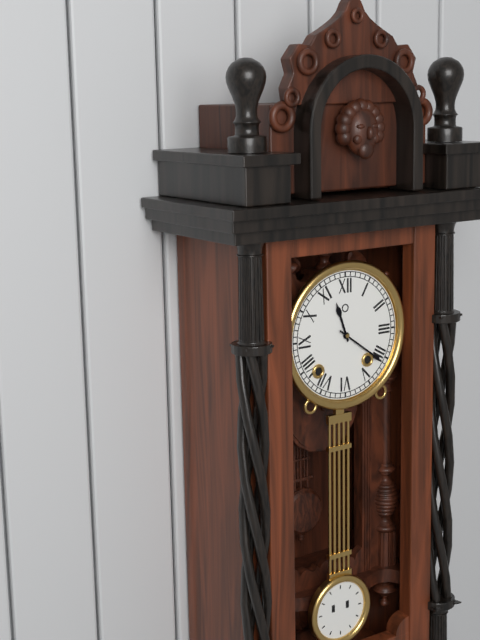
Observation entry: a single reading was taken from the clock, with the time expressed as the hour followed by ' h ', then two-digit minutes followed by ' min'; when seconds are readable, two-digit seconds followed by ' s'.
11 h 21 min
